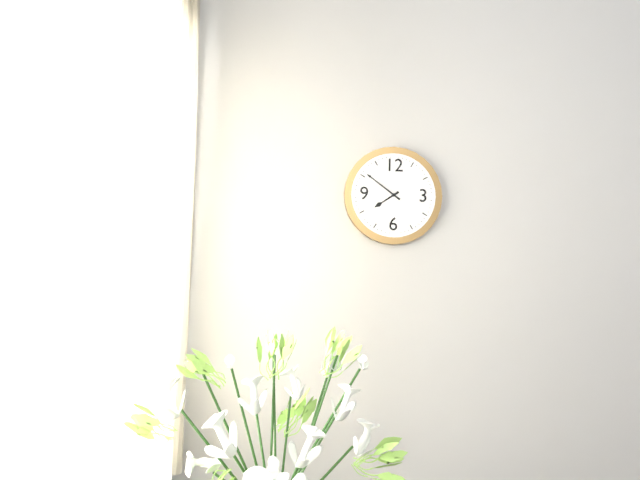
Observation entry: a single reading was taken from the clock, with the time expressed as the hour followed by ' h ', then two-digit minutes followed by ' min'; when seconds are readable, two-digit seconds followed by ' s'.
7 h 51 min
